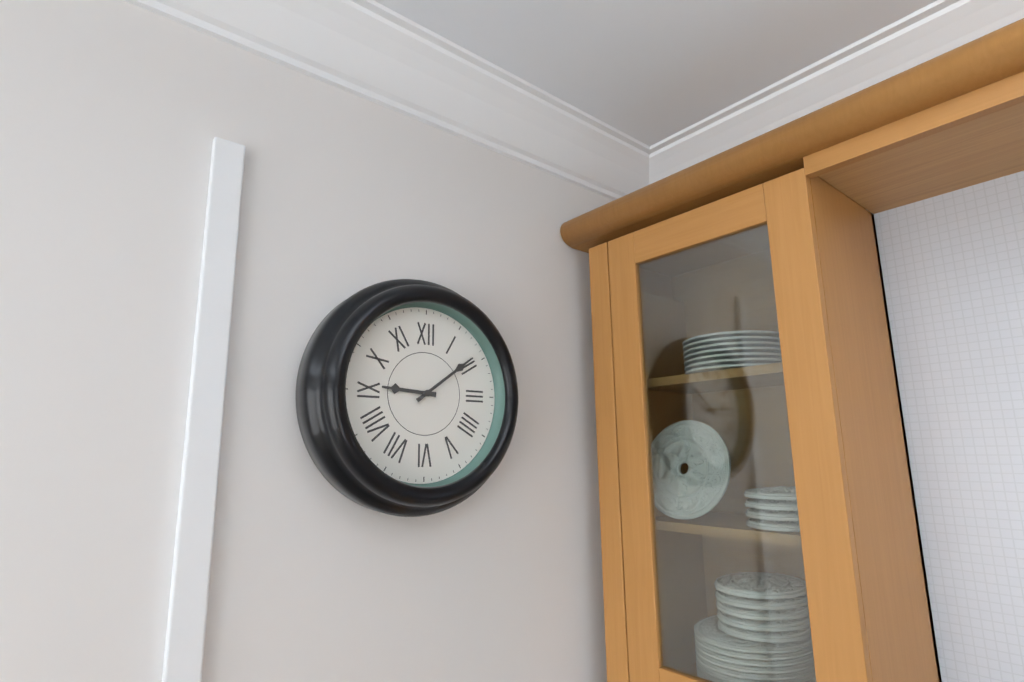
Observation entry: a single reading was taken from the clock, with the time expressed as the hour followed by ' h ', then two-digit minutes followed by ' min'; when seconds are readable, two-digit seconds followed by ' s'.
9 h 09 min
